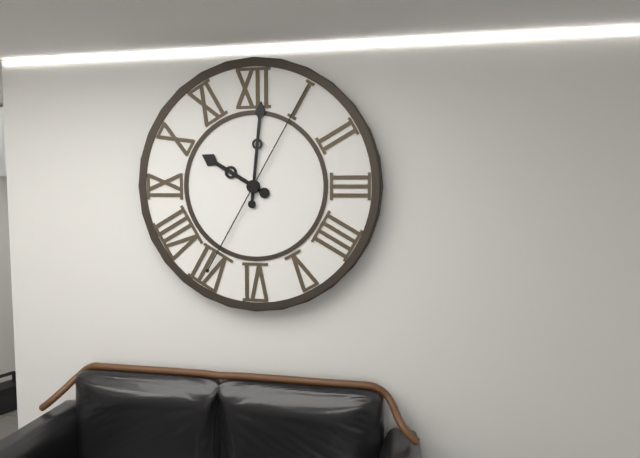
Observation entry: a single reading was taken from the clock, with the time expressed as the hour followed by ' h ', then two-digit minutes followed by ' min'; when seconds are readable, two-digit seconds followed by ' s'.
10 h 01 min 05 s
